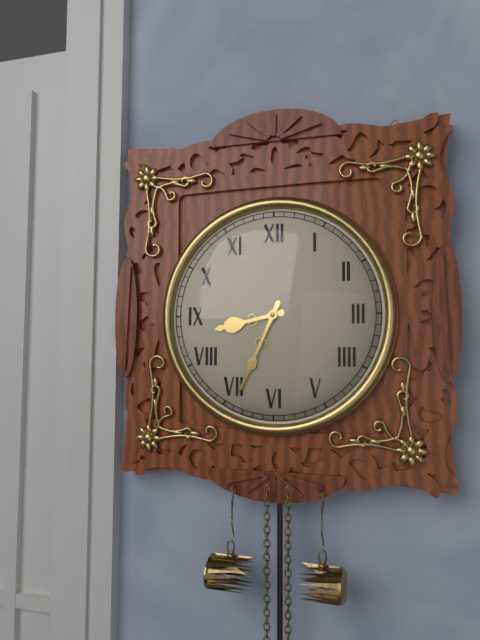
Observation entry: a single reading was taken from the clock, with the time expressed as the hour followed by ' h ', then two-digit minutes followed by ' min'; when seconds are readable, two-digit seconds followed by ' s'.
8 h 34 min
